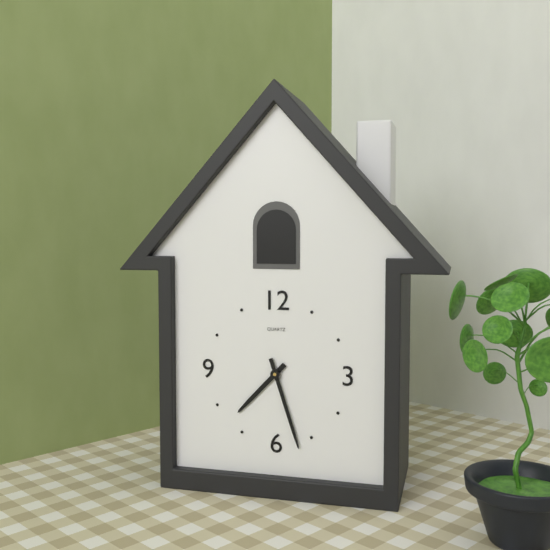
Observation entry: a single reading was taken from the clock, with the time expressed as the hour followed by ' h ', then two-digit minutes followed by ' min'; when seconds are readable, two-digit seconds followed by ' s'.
7 h 27 min
